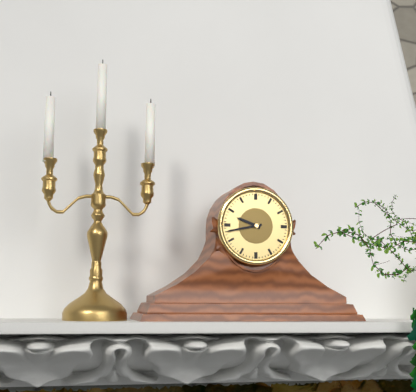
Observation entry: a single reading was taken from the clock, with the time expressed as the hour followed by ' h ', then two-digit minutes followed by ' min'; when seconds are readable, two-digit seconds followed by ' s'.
9 h 43 min
